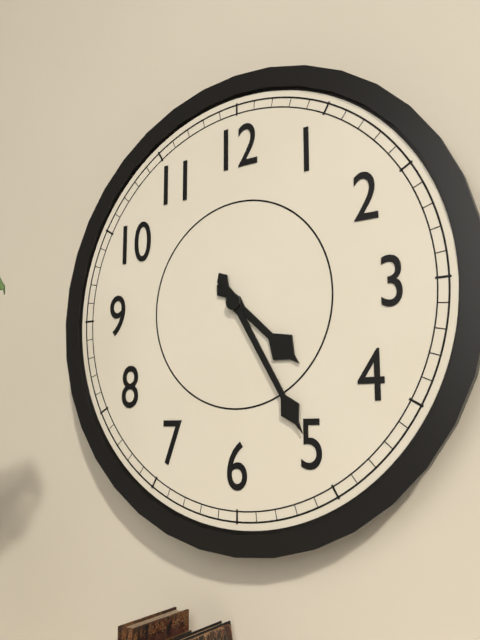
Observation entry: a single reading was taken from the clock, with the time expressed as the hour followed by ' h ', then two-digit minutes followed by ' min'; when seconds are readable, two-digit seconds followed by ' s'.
4 h 25 min
